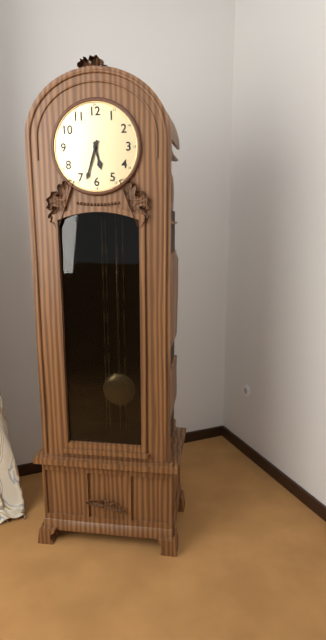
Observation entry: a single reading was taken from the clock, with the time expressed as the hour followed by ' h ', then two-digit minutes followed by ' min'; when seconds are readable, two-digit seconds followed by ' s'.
5 h 33 min
